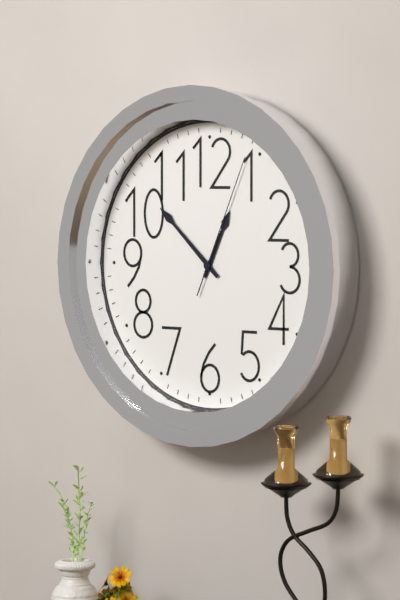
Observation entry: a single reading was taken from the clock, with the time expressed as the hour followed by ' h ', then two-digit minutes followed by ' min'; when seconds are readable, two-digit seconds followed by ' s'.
12 h 52 min 04 s
